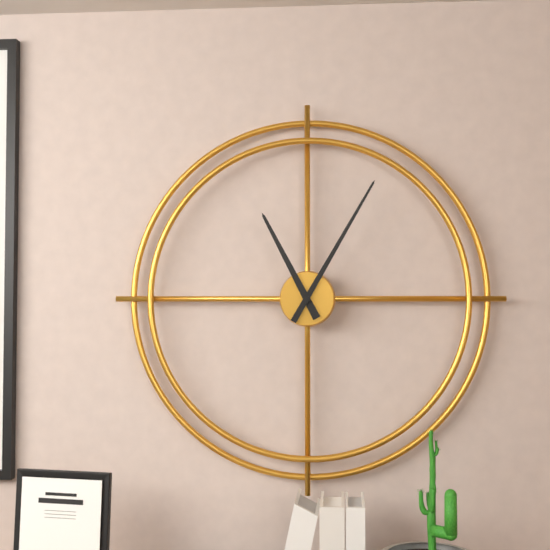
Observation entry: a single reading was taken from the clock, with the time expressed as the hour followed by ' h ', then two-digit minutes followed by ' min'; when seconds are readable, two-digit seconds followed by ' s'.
11 h 05 min
